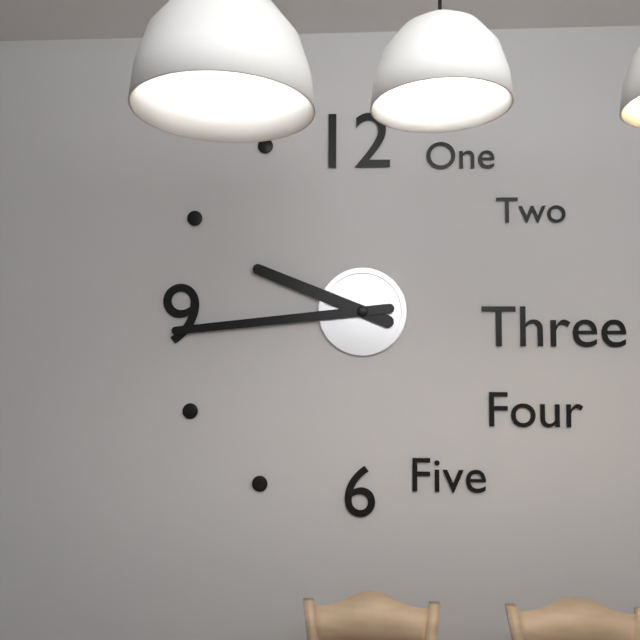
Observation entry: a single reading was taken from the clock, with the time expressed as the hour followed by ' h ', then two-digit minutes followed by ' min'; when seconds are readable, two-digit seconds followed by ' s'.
9 h 44 min
